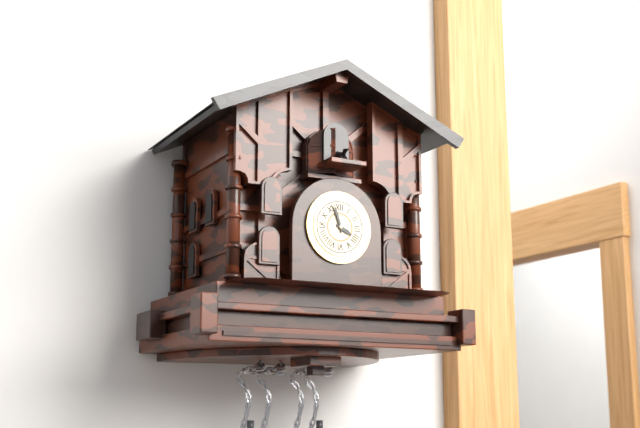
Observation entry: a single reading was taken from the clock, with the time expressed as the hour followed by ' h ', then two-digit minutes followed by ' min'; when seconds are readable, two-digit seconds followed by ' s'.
3 h 57 min
